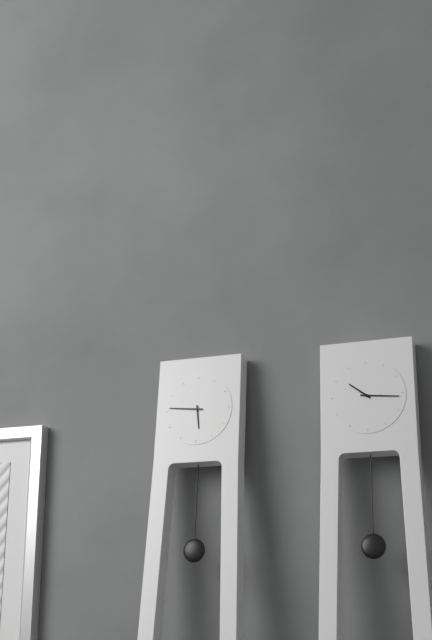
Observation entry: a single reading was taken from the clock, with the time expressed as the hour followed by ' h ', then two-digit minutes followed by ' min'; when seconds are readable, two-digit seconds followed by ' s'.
5 h 46 min
